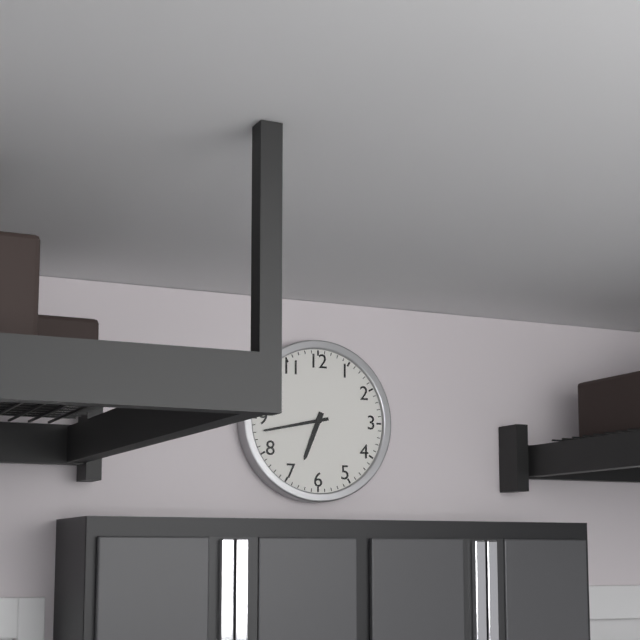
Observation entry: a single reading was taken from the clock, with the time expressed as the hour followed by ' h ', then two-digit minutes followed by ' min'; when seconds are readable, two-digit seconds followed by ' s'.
6 h 43 min
